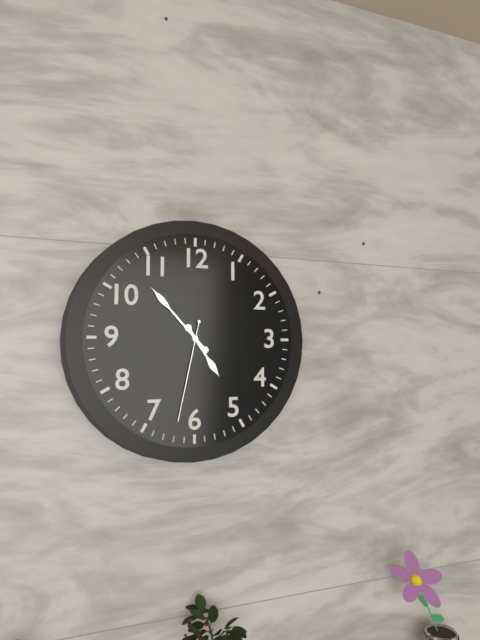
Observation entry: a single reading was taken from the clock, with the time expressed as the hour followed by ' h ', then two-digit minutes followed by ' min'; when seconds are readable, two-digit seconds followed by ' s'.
4 h 53 min 32 s
